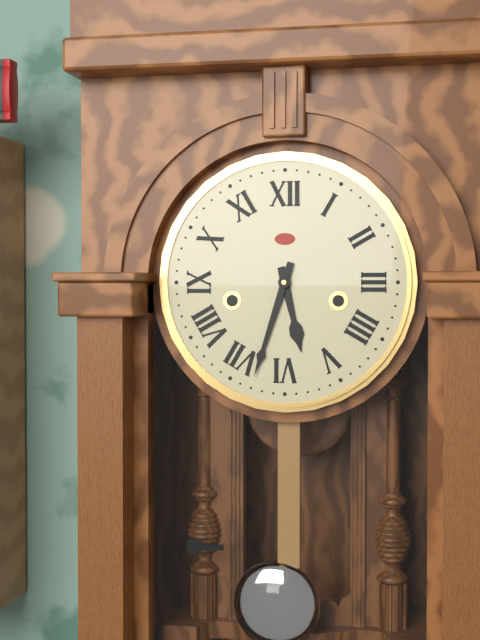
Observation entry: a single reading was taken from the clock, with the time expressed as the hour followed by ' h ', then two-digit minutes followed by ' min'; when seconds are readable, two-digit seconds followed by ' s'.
5 h 33 min
